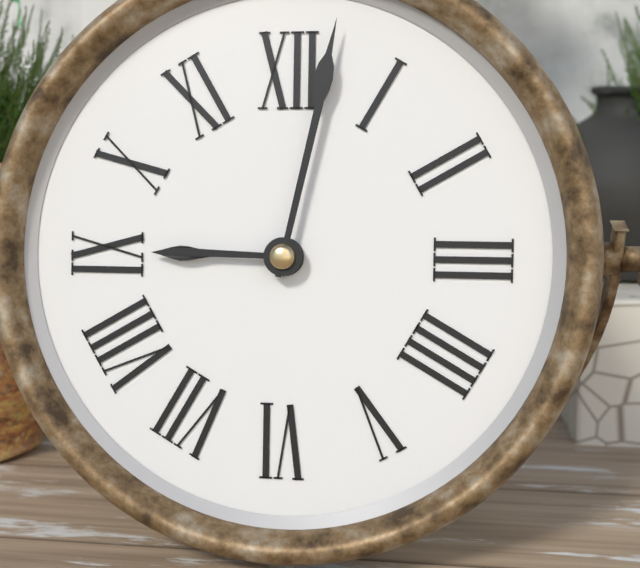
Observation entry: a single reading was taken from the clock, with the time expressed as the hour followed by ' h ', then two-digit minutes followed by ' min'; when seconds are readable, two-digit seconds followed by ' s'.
9 h 02 min
